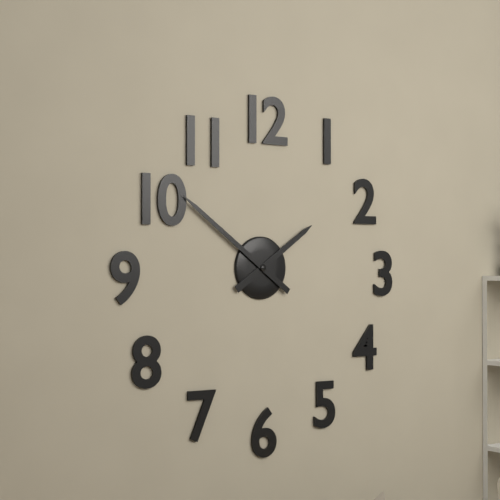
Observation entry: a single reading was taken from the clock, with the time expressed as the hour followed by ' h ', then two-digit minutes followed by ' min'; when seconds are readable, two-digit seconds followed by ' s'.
1 h 51 min
